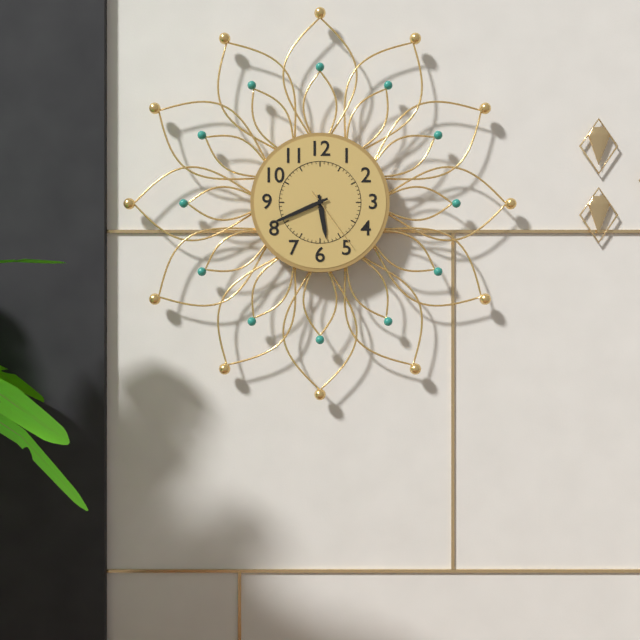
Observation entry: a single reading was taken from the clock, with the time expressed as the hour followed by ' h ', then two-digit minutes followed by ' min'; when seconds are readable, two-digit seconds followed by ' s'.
5 h 41 min 24 s
